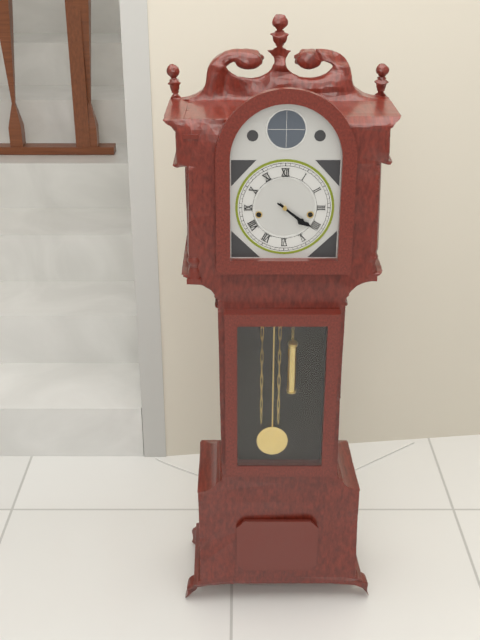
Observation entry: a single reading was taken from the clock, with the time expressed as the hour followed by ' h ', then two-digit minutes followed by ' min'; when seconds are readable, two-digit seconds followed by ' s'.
4 h 21 min
